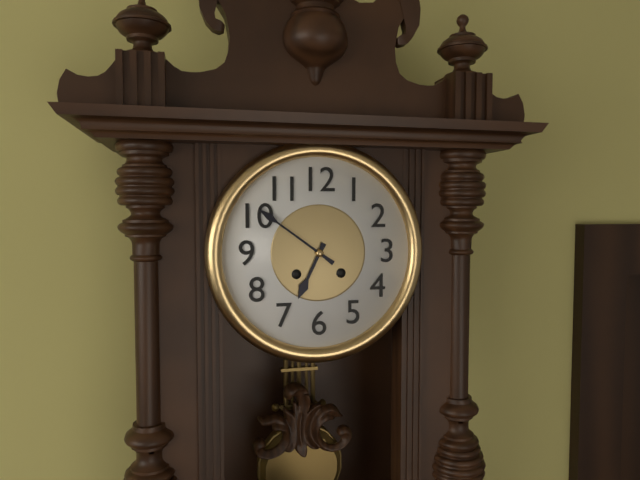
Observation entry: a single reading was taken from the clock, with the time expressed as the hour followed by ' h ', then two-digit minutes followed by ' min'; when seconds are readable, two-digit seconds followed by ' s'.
6 h 51 min
